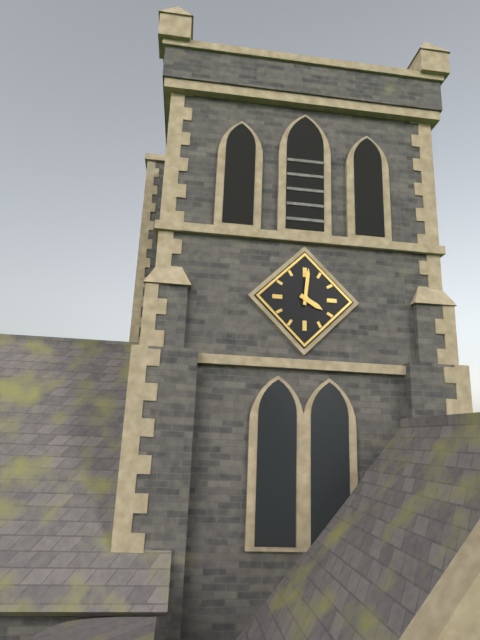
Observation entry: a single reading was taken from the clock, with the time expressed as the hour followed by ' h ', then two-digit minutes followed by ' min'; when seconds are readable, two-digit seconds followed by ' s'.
4 h 01 min
